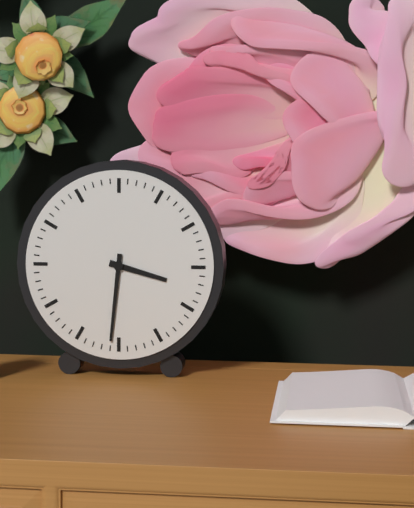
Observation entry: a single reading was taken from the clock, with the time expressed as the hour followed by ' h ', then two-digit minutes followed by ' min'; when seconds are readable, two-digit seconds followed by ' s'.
3 h 31 min
